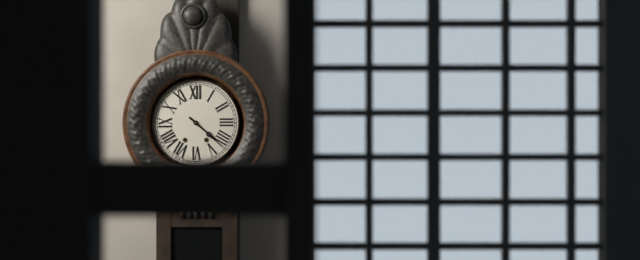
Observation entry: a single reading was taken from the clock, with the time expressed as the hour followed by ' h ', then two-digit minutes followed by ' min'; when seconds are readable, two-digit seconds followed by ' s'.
4 h 22 min
